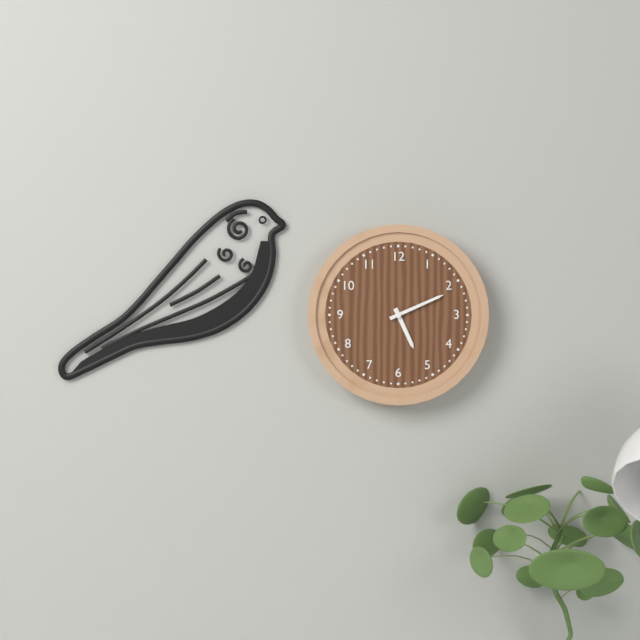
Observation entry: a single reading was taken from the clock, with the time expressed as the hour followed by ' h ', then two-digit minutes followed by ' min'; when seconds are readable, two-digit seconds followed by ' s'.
5 h 11 min
